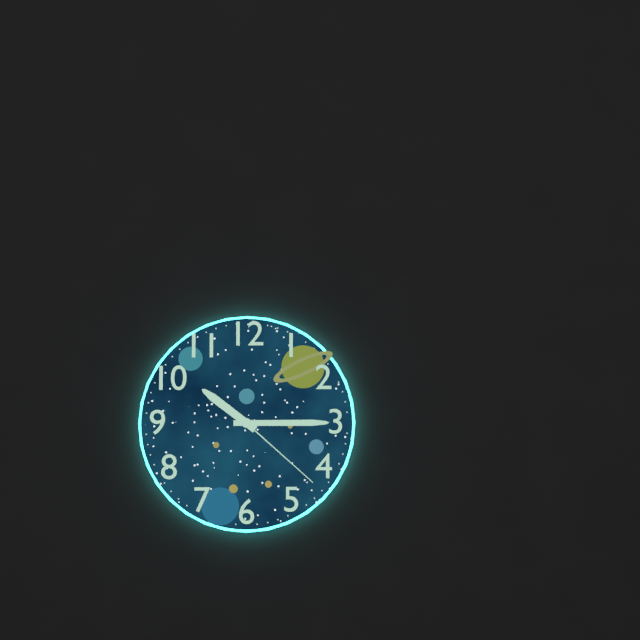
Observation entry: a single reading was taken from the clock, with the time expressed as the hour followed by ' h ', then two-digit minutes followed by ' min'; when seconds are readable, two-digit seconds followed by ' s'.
10 h 15 min 22 s
